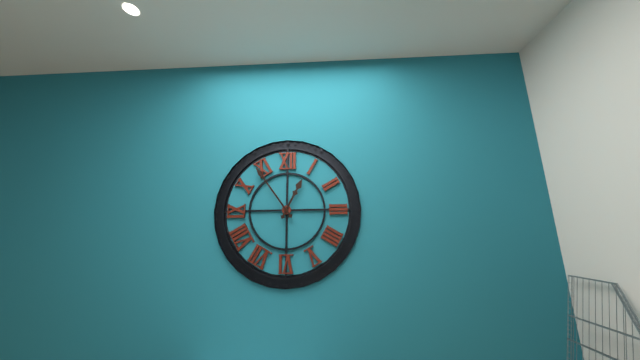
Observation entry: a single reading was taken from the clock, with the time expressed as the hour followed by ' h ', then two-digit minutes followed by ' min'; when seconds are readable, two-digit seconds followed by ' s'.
12 h 54 min
